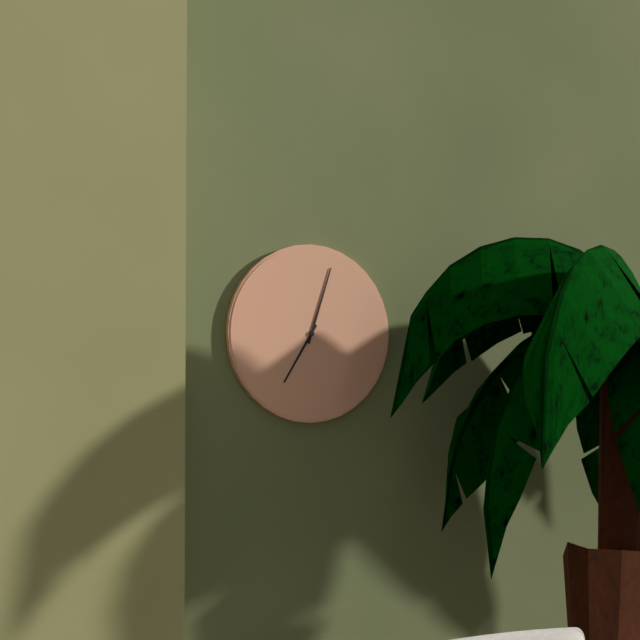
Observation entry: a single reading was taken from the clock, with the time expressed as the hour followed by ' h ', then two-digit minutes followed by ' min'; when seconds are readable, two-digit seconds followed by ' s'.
7 h 03 min
